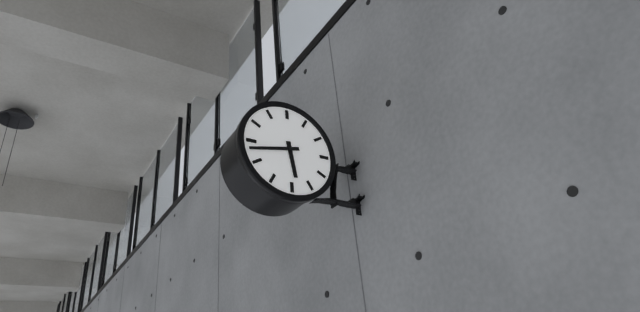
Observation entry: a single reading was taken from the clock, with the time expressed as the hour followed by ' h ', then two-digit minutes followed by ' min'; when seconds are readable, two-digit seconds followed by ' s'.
5 h 43 min
